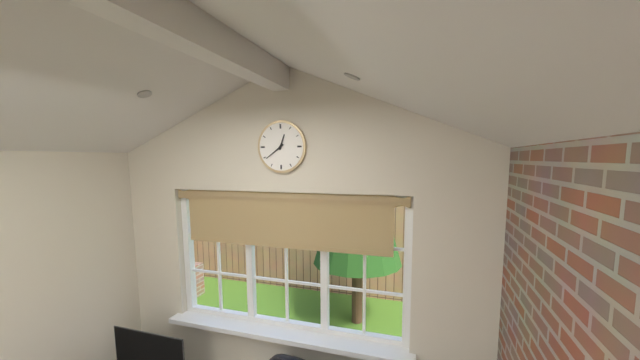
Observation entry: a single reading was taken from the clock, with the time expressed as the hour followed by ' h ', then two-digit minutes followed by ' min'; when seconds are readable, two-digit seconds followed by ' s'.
12 h 39 min
